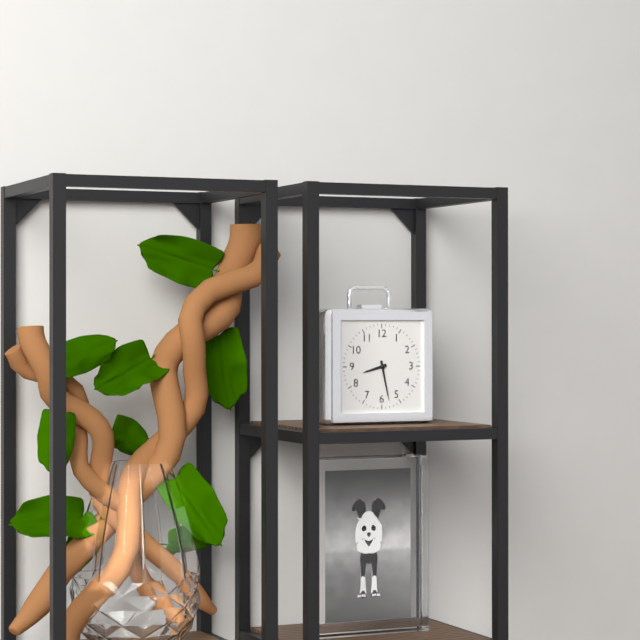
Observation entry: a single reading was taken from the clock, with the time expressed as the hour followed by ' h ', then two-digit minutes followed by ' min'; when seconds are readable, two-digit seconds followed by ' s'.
8 h 28 min
